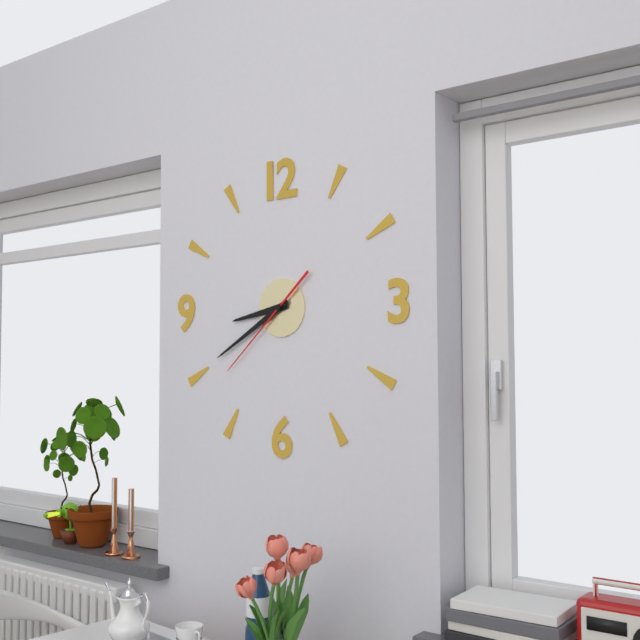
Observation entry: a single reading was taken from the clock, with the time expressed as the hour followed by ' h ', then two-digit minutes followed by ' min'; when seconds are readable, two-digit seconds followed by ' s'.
8 h 40 min 38 s
